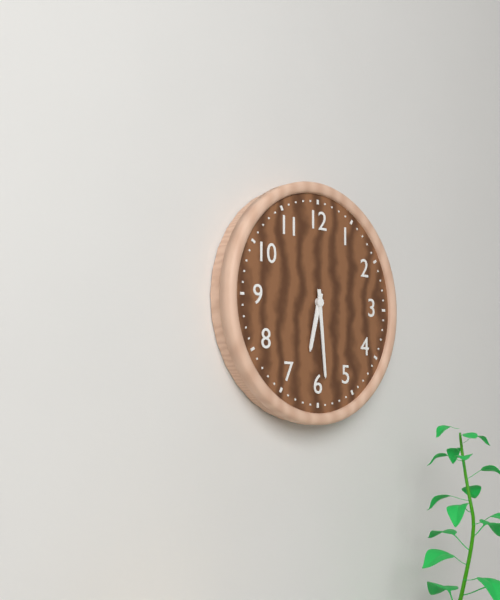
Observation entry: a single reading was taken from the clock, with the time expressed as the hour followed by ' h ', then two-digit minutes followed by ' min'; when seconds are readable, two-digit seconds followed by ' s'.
6 h 29 min
